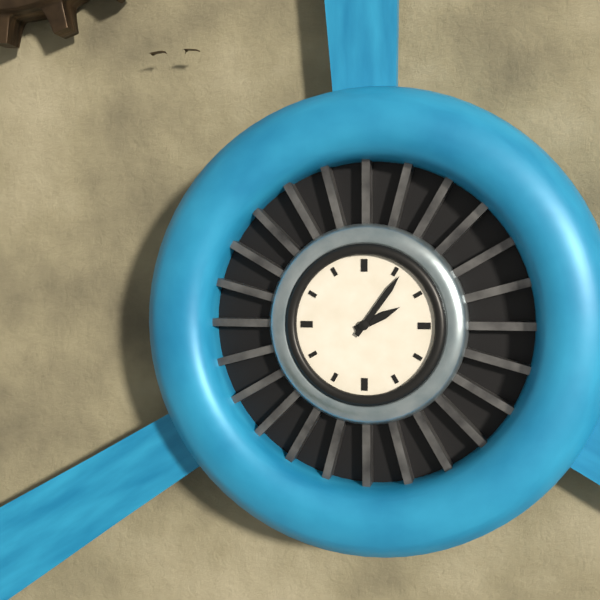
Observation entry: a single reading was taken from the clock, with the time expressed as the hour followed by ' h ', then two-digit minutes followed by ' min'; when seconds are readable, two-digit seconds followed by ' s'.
2 h 06 min
